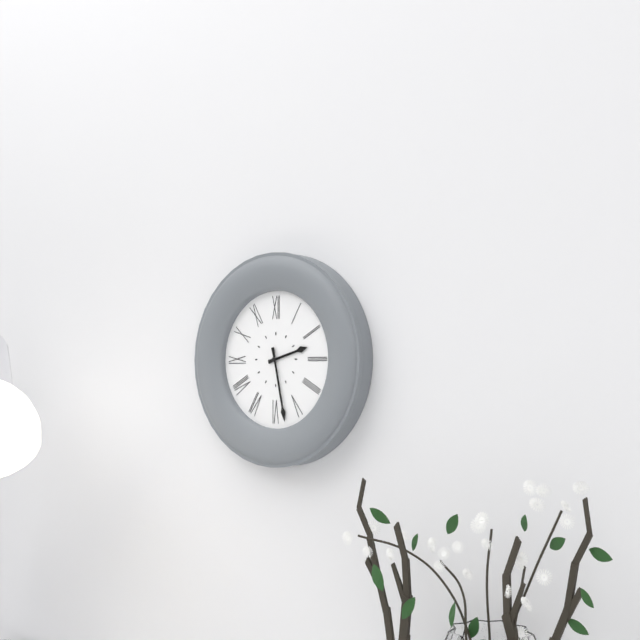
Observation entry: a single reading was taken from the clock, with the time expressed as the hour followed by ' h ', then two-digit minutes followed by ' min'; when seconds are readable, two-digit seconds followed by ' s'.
2 h 28 min
